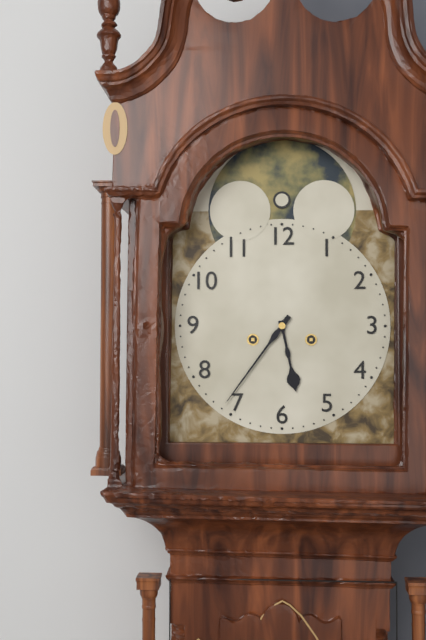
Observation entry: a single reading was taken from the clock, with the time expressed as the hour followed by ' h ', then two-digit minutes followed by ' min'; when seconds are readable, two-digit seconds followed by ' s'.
5 h 36 min
